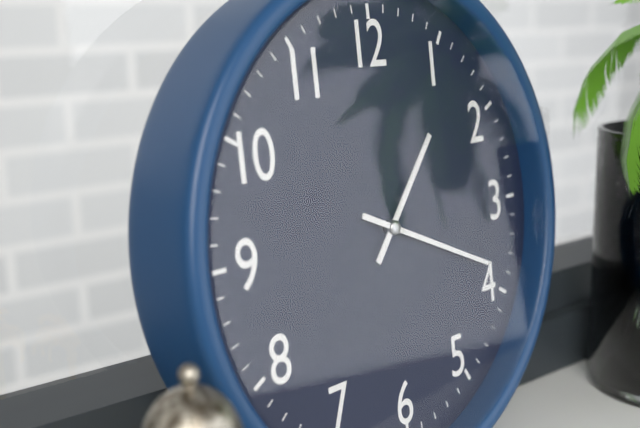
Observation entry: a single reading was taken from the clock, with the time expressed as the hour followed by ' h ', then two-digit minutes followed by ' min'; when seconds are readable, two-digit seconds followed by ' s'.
1 h 19 min
